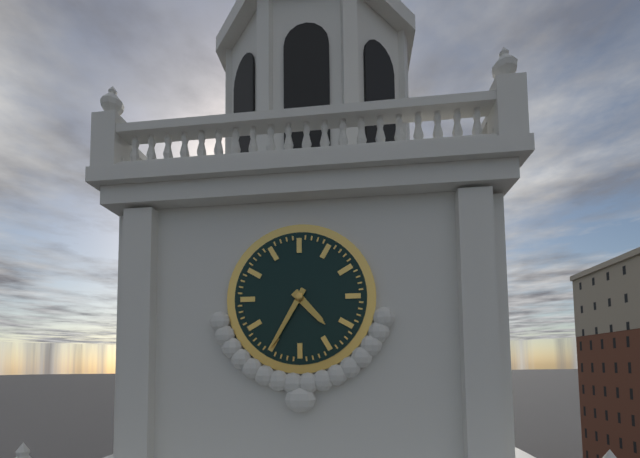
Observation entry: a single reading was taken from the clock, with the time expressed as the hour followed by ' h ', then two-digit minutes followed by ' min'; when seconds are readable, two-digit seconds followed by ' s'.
4 h 35 min
